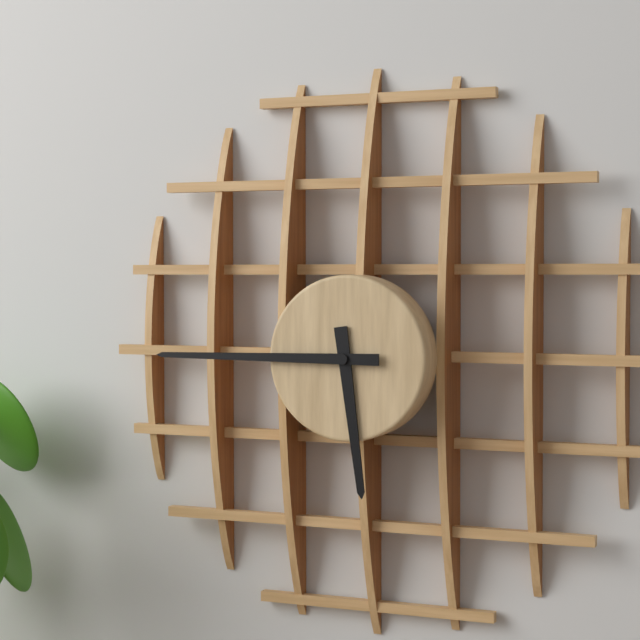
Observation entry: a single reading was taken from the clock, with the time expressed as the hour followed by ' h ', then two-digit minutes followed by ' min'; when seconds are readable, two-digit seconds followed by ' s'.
5 h 45 min
